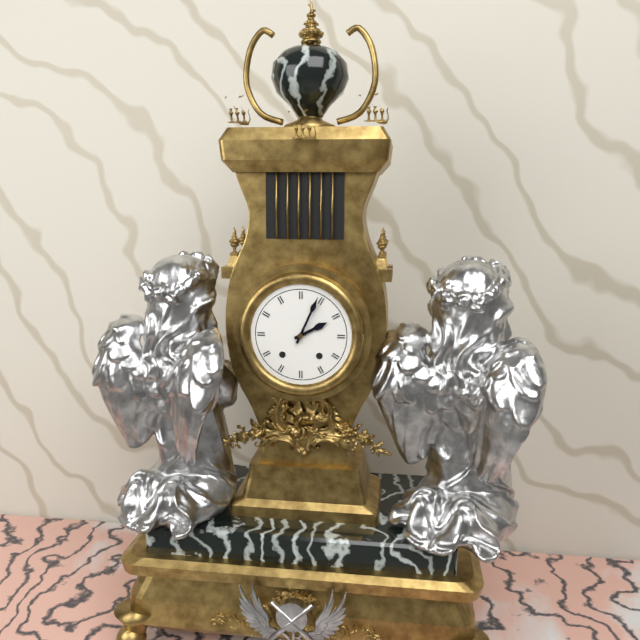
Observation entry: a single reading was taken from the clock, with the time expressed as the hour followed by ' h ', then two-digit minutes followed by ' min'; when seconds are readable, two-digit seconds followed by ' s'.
2 h 04 min
